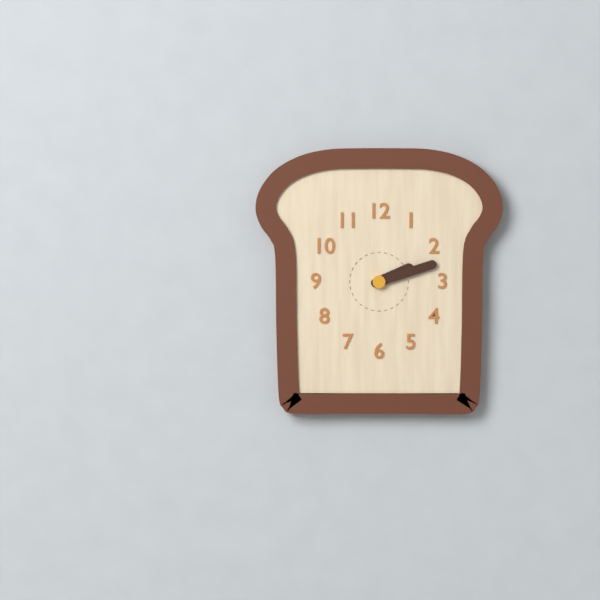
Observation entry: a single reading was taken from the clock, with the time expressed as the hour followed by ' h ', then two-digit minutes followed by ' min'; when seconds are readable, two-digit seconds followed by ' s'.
2 h 12 min
